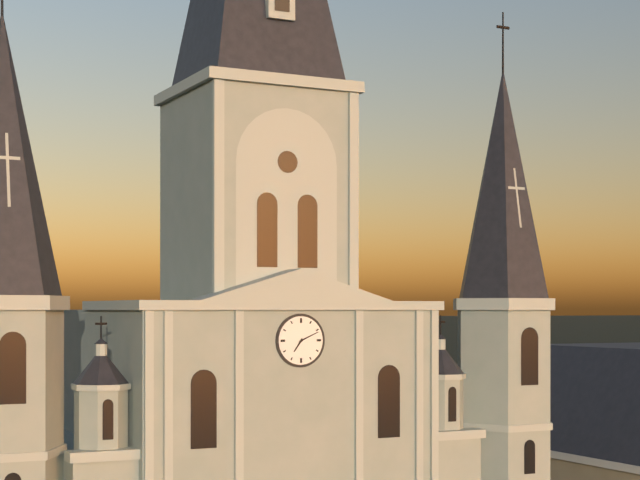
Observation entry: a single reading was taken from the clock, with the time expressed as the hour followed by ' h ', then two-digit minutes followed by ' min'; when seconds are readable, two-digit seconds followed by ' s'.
7 h 11 min
